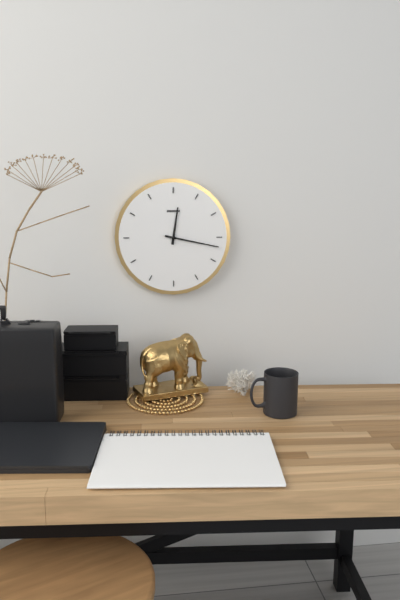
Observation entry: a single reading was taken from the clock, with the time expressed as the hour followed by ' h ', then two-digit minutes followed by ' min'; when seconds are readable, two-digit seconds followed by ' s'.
12 h 17 min
